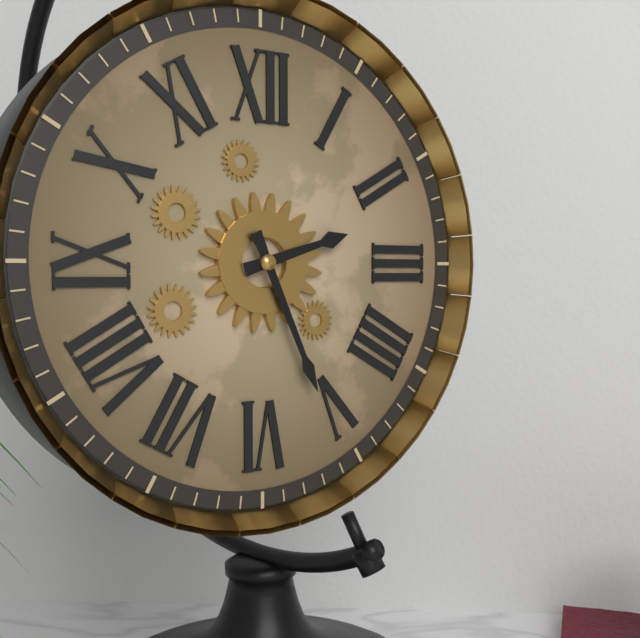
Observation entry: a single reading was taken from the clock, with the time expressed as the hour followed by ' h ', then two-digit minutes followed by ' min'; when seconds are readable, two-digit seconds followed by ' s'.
2 h 26 min
